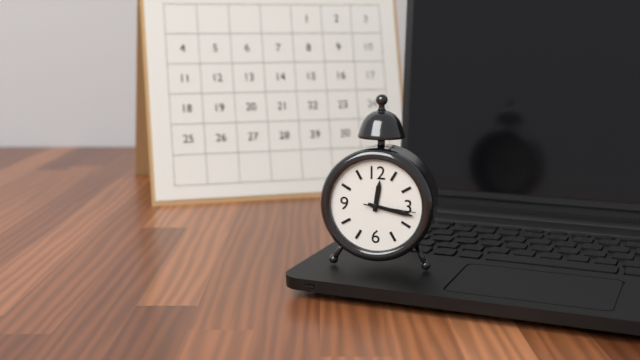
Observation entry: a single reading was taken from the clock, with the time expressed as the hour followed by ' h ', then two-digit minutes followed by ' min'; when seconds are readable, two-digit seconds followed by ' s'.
12 h 17 min
